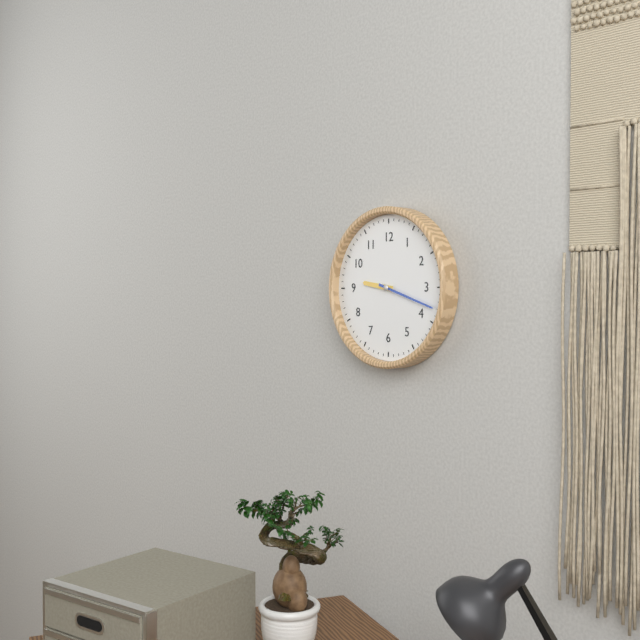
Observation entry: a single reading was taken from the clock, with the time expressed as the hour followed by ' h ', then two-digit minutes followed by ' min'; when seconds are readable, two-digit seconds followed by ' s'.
9 h 18 min
